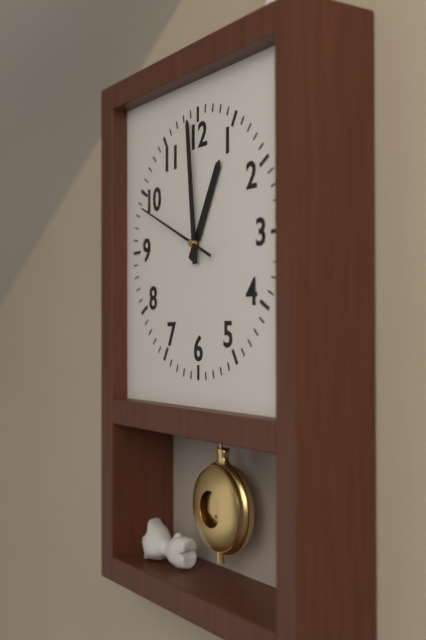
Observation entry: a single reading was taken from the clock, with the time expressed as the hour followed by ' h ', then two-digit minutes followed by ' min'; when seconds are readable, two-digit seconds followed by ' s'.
12 h 59 min 49 s
